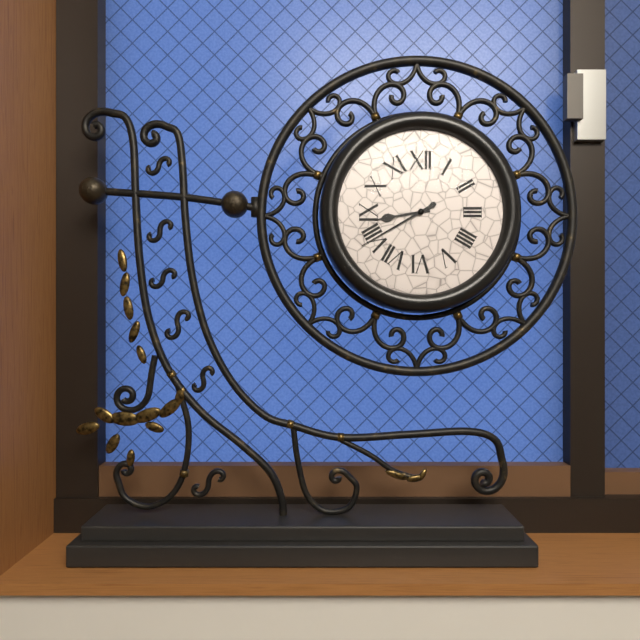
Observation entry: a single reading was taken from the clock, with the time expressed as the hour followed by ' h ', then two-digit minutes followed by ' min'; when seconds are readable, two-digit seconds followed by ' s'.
8 h 40 min
